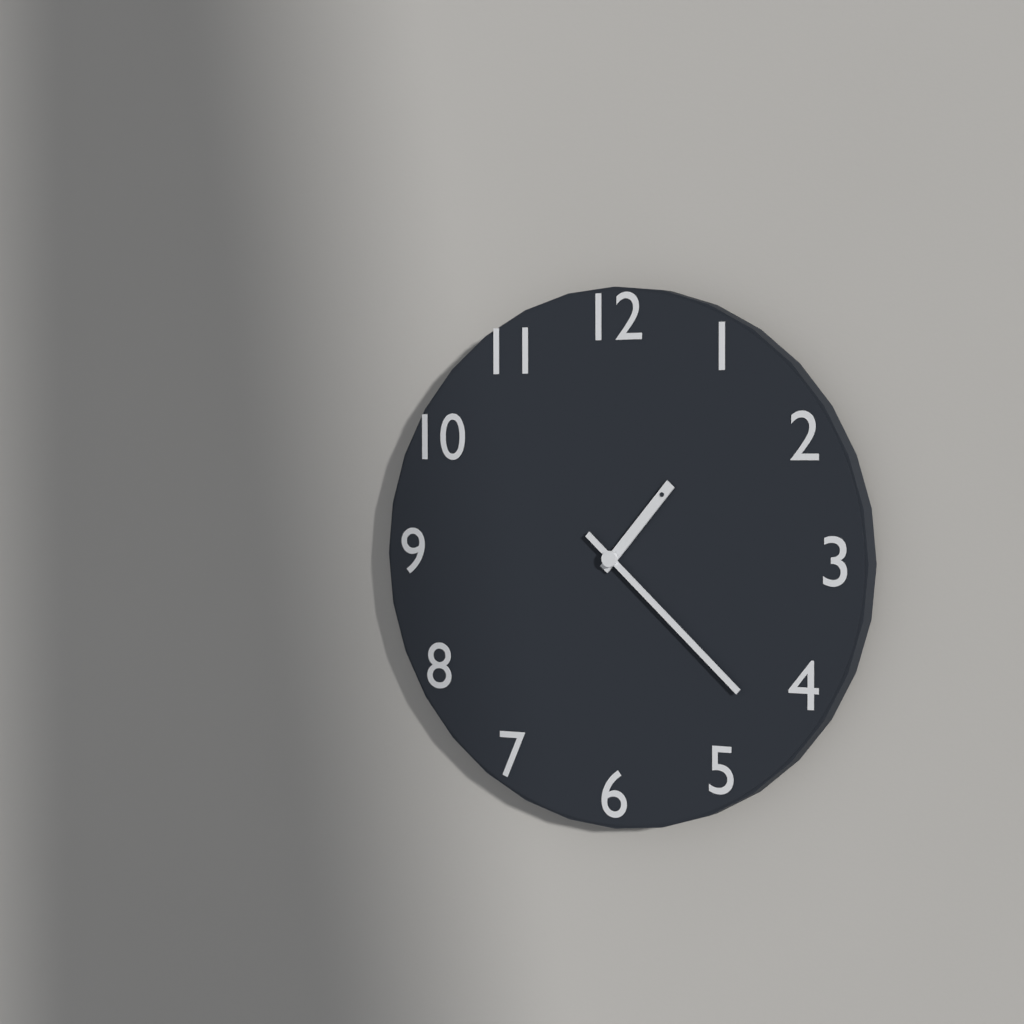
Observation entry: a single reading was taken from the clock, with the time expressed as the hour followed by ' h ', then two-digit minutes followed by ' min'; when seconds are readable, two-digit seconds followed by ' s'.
1 h 22 min
